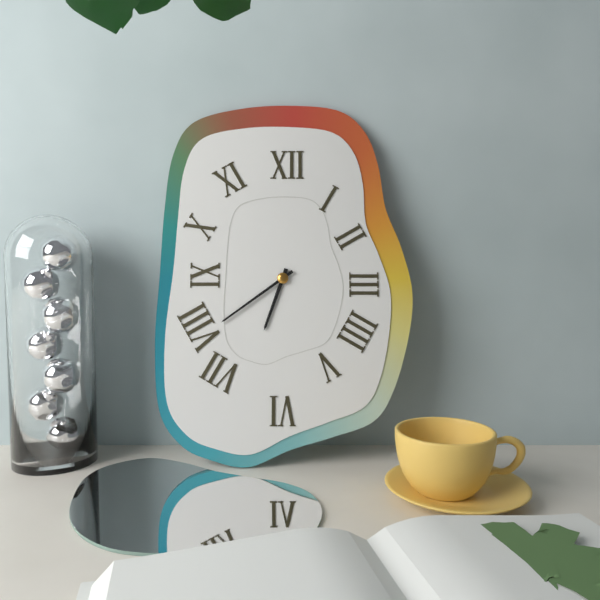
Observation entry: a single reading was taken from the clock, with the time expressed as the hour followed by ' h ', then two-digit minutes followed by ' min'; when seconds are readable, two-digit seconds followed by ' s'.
6 h 39 min
